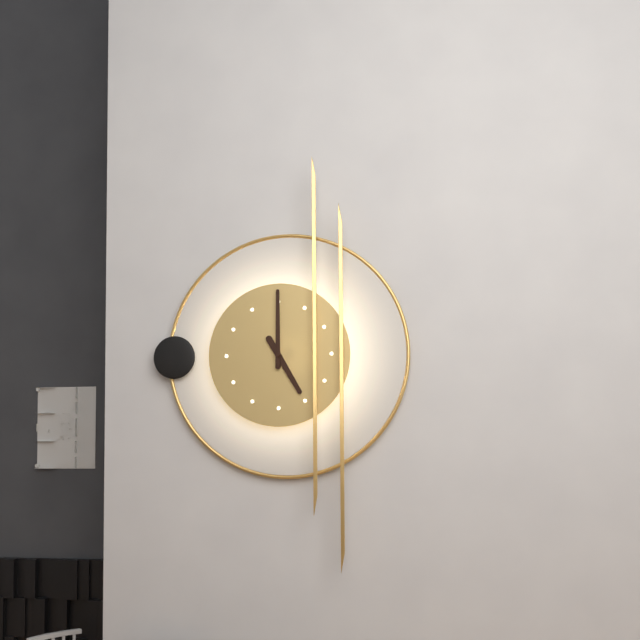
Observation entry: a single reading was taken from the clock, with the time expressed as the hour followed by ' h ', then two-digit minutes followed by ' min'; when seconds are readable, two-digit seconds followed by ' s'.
5 h 00 min
